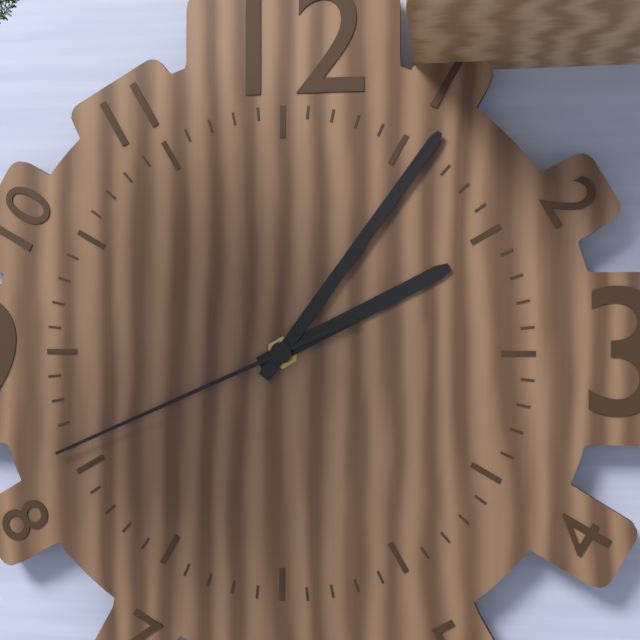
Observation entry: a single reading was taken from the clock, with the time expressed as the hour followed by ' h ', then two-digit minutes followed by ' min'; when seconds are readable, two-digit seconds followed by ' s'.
2 h 06 min 41 s
